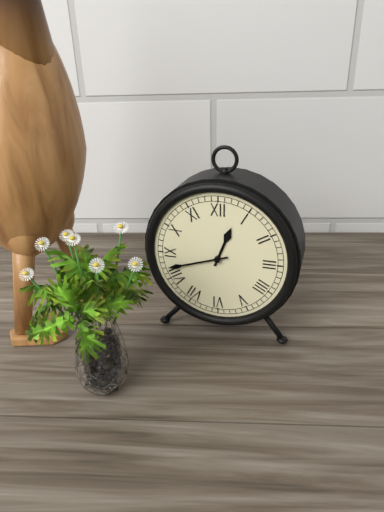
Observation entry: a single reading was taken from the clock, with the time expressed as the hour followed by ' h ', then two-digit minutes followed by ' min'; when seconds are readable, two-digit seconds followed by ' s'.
12 h 42 min
